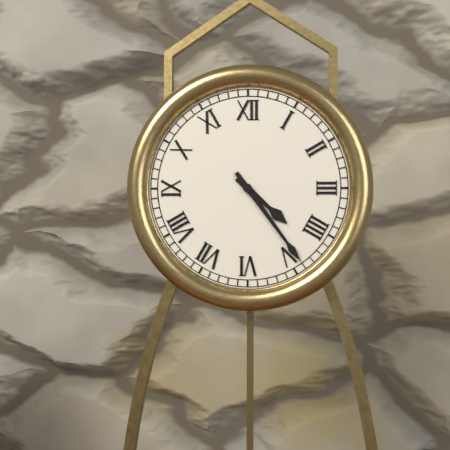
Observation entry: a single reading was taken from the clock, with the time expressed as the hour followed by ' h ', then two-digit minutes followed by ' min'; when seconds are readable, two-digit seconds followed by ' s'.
4 h 24 min
